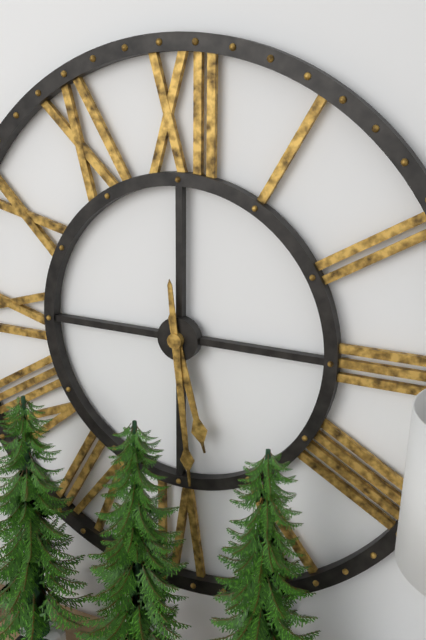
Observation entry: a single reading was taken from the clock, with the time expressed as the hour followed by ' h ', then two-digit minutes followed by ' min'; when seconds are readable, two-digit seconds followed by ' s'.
5 h 29 min
